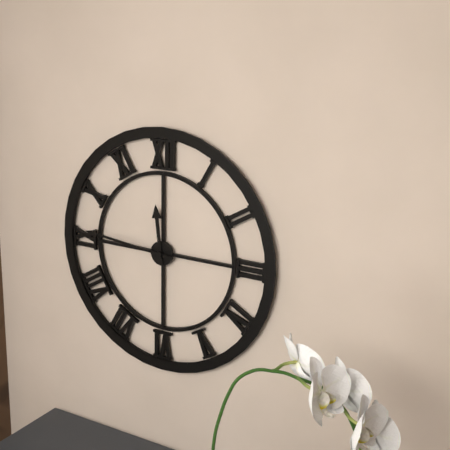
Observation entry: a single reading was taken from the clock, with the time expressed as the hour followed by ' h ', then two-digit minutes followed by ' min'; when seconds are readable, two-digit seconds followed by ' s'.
11 h 46 min
